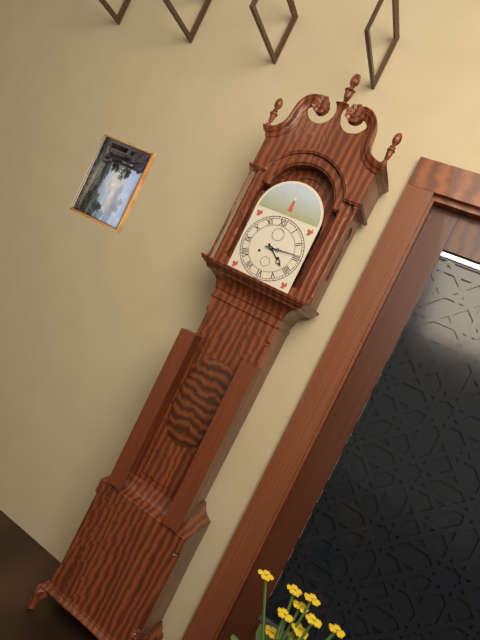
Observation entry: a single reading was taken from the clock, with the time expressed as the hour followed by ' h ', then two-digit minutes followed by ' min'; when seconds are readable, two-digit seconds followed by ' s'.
4 h 14 min
